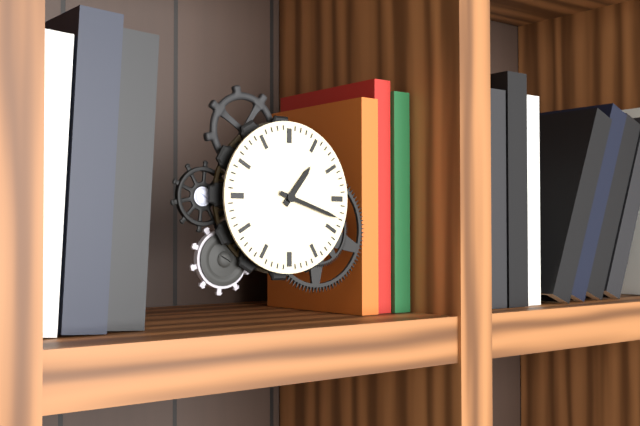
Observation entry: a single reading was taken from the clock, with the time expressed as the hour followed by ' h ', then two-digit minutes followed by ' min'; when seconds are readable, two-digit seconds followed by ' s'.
1 h 18 min
